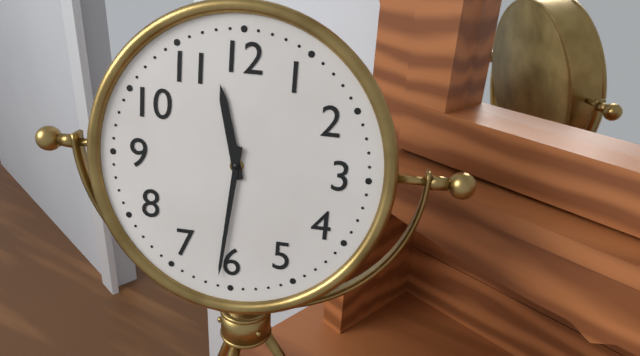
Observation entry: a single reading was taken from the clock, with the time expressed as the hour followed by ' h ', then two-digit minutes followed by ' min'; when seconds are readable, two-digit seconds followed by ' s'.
11 h 31 min
